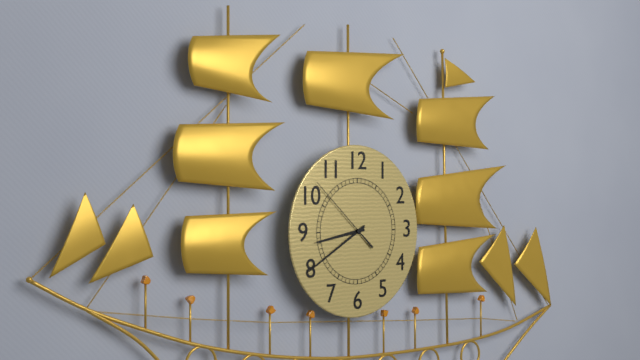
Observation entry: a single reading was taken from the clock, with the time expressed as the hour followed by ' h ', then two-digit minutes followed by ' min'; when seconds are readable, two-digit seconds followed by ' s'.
8 h 40 min 52 s
